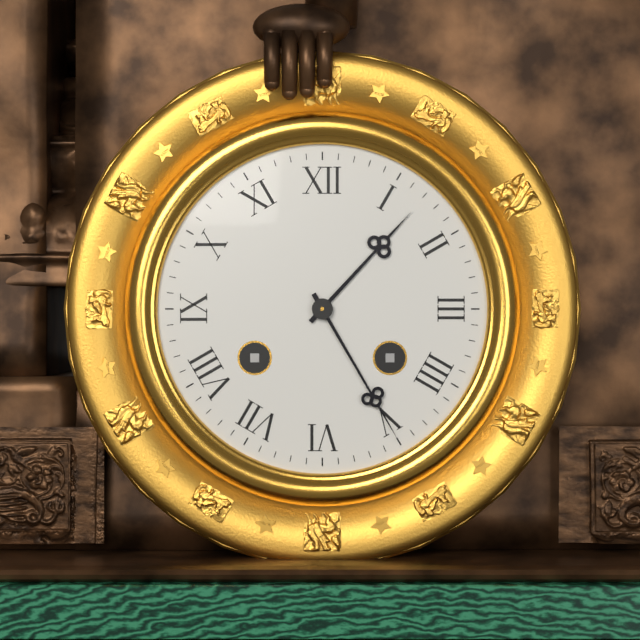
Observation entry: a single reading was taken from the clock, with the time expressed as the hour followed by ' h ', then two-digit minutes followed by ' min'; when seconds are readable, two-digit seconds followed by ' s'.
1 h 25 min
